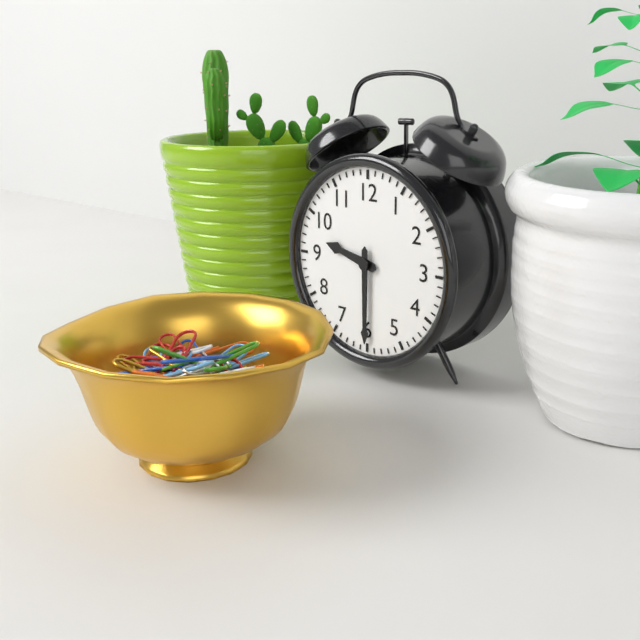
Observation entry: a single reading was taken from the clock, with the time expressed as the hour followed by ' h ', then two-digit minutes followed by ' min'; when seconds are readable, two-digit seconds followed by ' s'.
9 h 30 min
